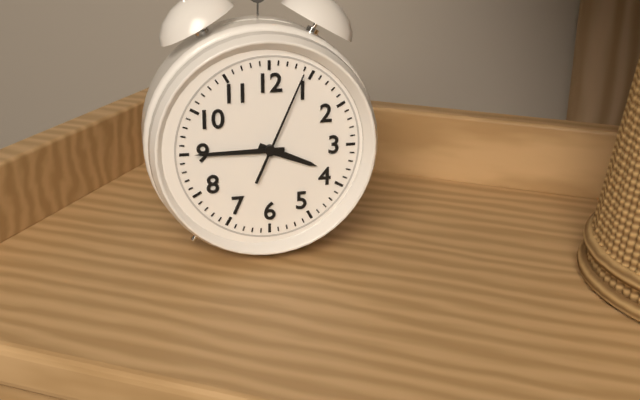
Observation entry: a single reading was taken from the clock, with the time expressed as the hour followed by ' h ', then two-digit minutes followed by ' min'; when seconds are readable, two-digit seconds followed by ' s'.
3 h 45 min 04 s
